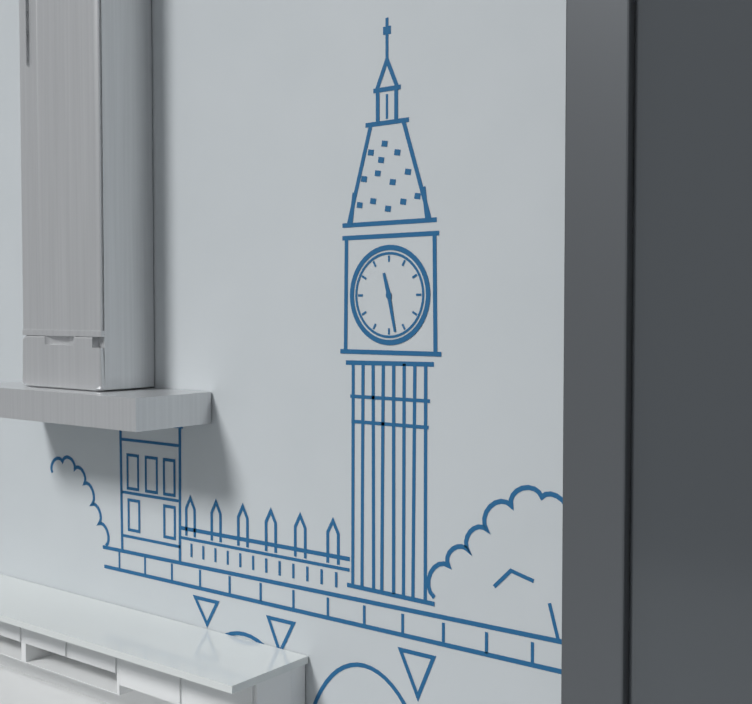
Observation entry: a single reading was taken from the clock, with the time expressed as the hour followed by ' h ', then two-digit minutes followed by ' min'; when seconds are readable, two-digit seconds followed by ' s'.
11 h 28 min
